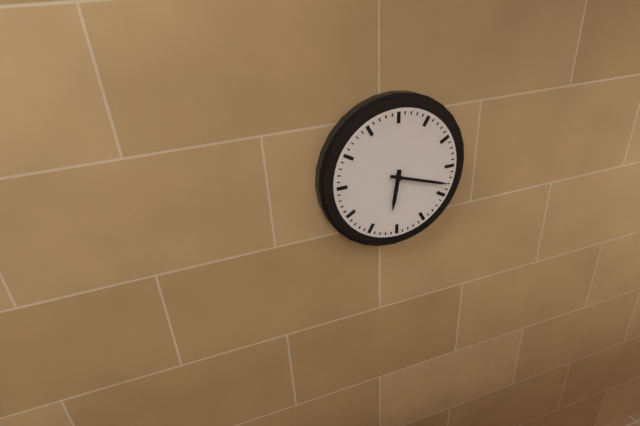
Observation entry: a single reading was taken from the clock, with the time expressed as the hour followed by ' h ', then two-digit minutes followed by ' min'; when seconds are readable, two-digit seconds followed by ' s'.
6 h 18 min
